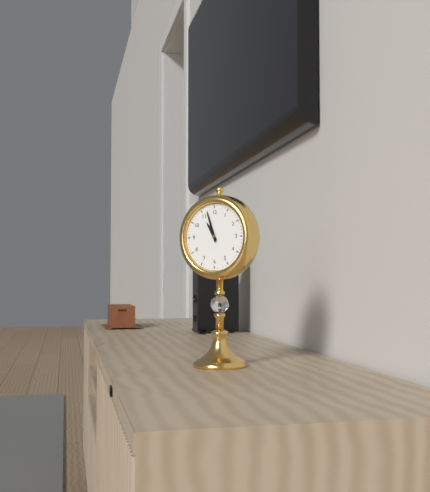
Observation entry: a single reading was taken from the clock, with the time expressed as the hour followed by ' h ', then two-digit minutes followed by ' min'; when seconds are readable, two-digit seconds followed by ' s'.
10 h 57 min
